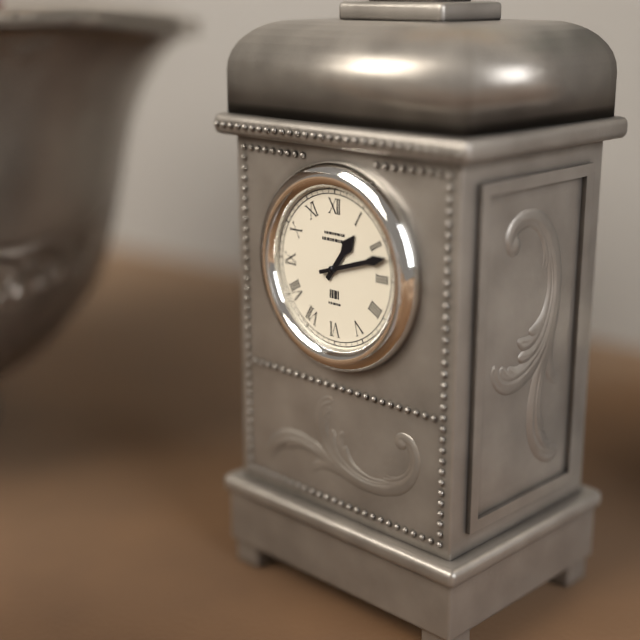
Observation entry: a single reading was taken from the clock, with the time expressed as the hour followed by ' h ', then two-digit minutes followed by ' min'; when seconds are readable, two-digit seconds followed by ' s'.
1 h 12 min
